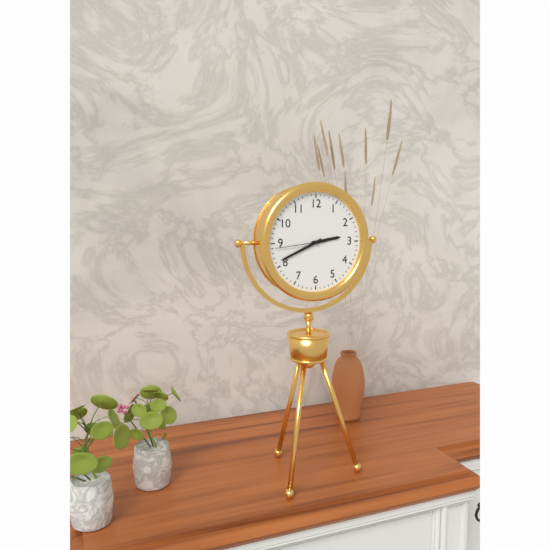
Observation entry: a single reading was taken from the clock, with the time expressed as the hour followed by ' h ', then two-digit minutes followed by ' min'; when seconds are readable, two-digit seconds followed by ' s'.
2 h 41 min 44 s
